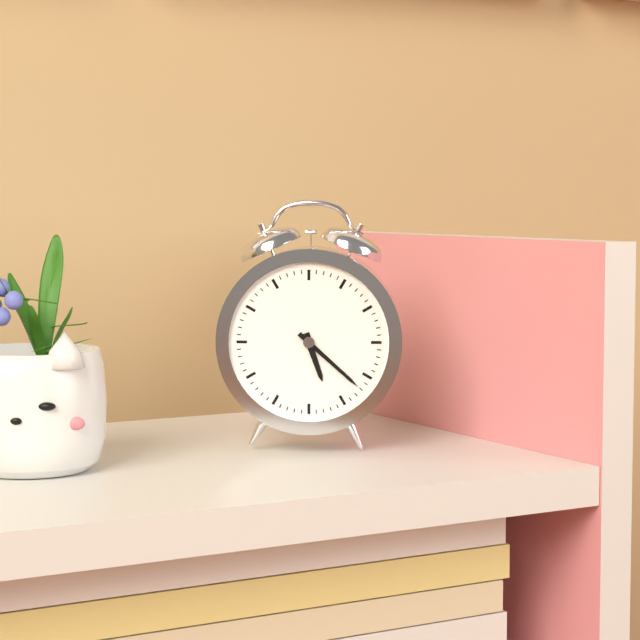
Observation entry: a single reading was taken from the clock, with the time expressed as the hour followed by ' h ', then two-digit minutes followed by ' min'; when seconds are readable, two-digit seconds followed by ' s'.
5 h 22 min
